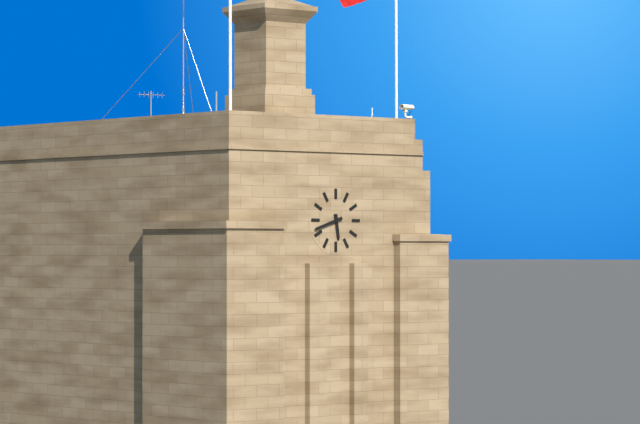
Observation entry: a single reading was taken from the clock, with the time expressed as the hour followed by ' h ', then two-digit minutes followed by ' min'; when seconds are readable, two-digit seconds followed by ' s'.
5 h 42 min
